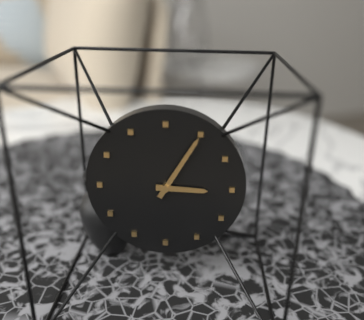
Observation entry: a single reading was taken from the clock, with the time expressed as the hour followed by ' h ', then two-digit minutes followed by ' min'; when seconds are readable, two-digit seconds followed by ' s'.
3 h 05 min
